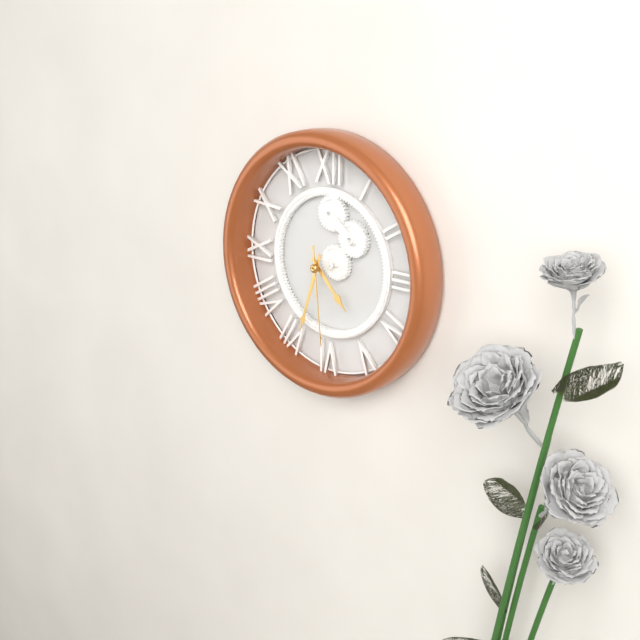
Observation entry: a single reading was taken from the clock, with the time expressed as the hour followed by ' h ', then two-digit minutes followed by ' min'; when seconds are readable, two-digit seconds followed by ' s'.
4 h 33 min 29 s
